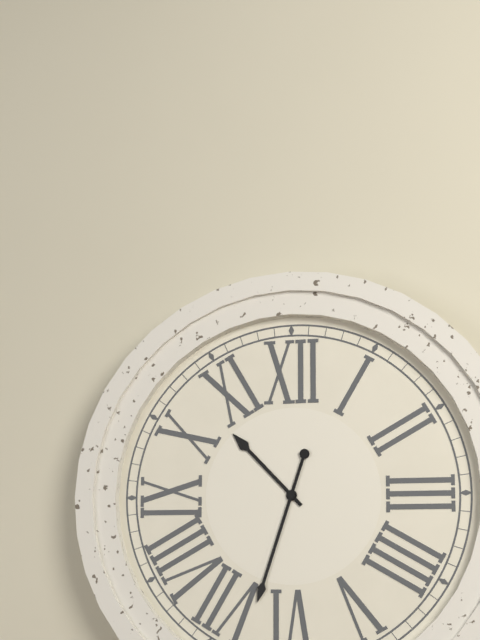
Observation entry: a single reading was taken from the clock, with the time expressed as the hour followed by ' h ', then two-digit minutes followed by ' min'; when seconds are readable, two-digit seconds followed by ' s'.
10 h 33 min
